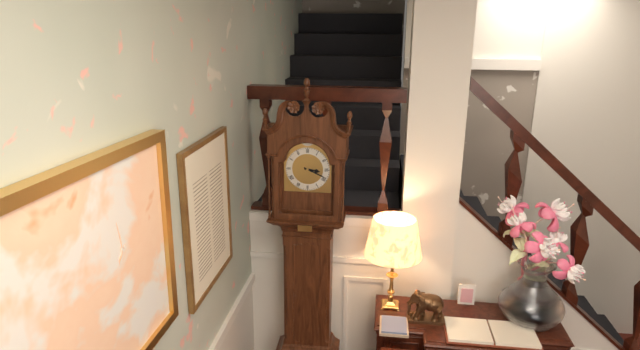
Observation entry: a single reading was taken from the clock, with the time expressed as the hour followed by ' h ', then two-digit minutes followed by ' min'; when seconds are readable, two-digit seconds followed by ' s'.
3 h 19 min
